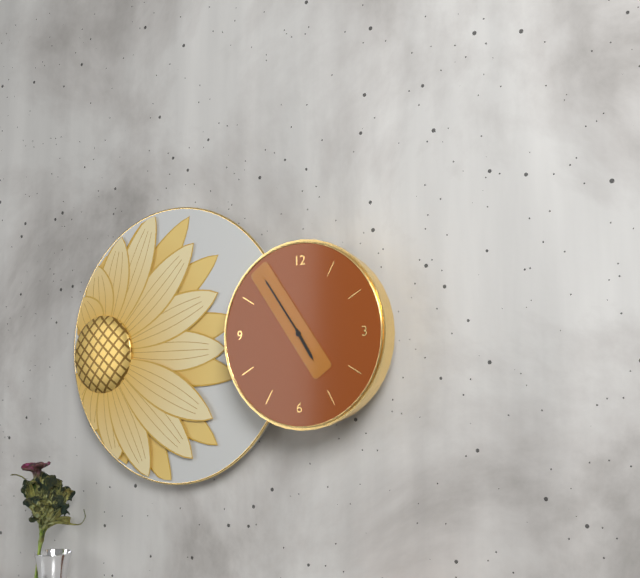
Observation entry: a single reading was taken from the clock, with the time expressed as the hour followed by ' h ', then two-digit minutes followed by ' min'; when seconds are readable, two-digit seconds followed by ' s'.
4 h 54 min
